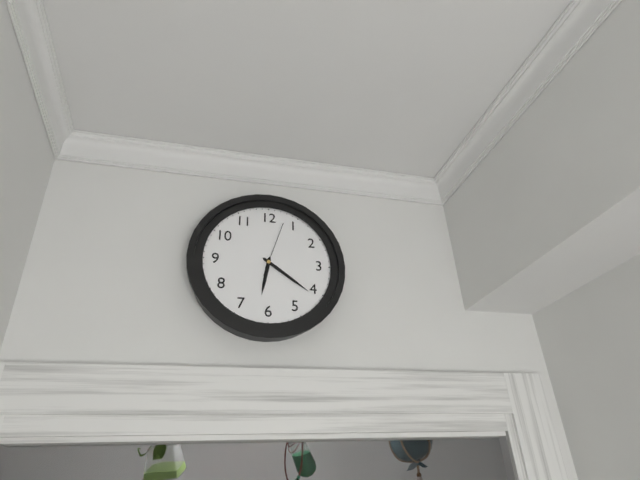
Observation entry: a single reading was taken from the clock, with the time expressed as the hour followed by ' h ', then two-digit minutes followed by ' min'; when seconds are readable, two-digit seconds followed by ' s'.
6 h 21 min 03 s
